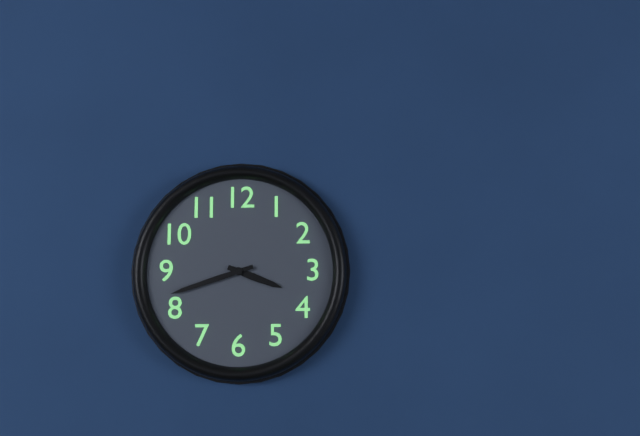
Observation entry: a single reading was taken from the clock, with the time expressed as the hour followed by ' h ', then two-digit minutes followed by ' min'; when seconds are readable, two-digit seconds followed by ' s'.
3 h 42 min
